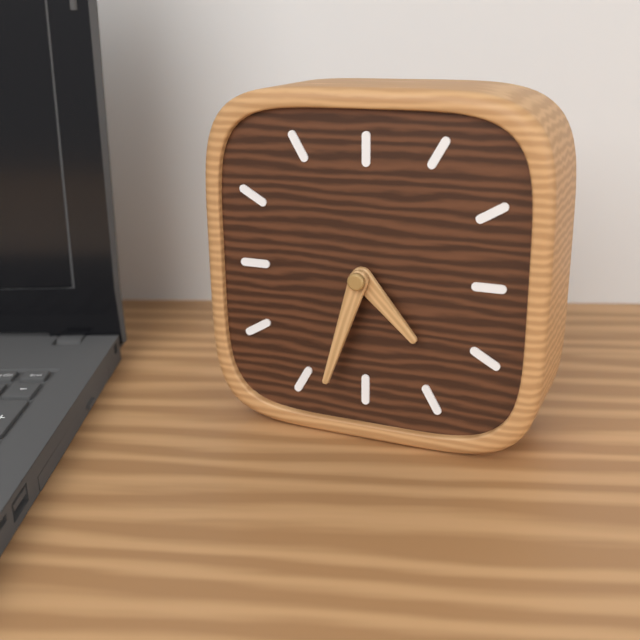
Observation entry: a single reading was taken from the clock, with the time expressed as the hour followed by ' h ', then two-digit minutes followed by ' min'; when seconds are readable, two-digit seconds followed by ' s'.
4 h 33 min
